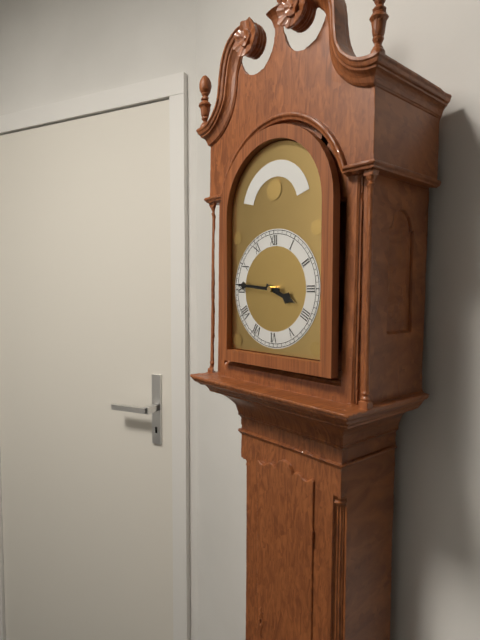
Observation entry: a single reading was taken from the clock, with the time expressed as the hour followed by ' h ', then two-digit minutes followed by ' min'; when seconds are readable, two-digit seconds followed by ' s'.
3 h 46 min
